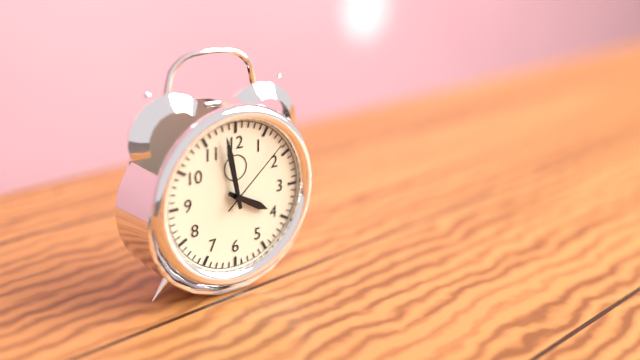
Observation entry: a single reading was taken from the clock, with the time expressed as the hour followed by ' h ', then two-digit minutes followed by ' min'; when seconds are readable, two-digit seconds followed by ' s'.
3 h 58 min 08 s
